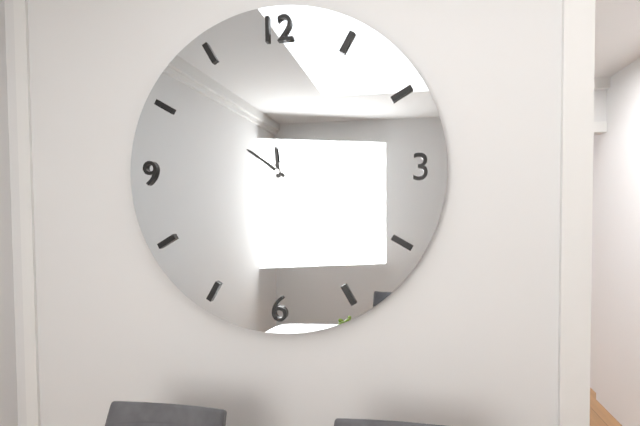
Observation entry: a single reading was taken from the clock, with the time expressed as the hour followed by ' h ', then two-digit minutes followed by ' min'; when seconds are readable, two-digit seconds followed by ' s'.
11 h 51 min
